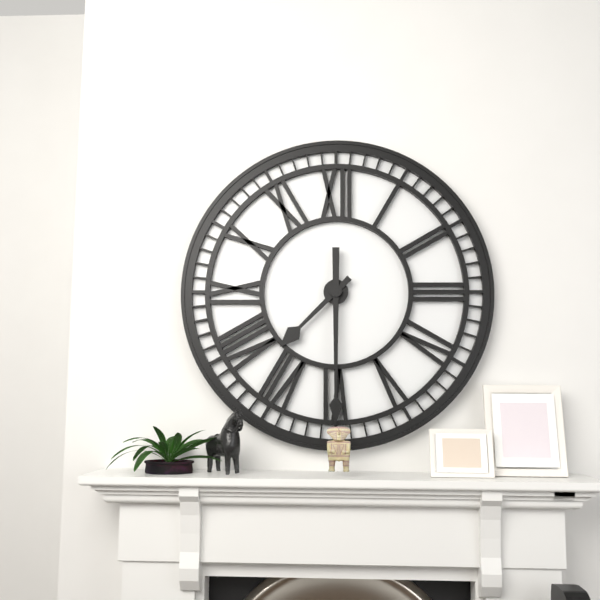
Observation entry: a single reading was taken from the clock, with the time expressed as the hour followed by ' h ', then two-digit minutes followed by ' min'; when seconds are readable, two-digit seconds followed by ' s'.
7 h 30 min
